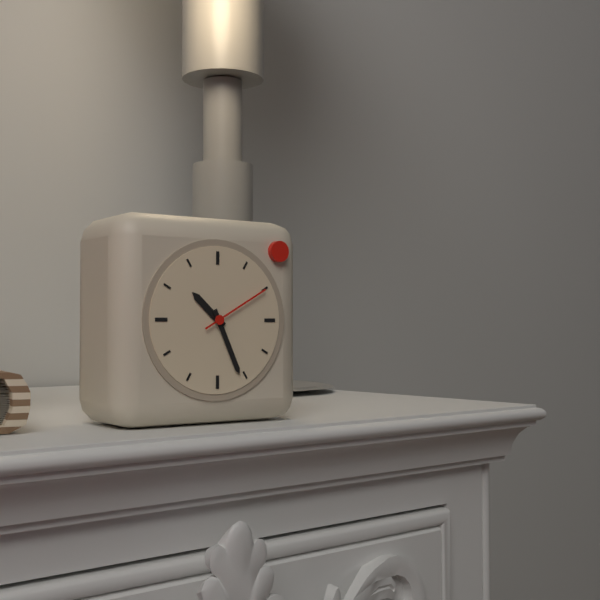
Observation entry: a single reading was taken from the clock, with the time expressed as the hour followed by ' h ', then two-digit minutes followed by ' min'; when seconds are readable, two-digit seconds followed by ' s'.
10 h 26 min 10 s
